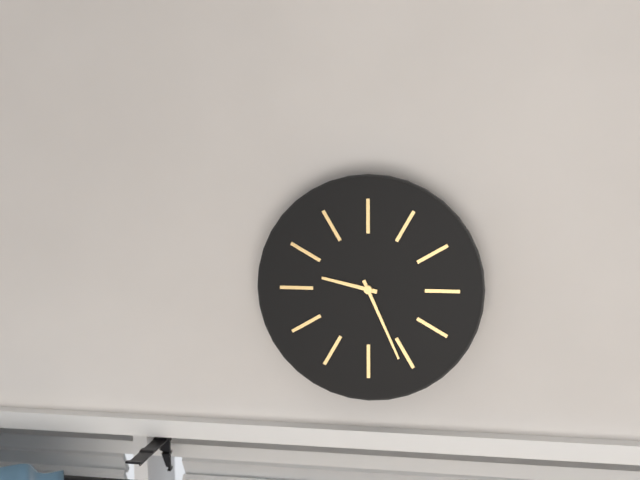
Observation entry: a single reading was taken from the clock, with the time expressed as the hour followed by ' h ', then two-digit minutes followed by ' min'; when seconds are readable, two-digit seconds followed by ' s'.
9 h 26 min
